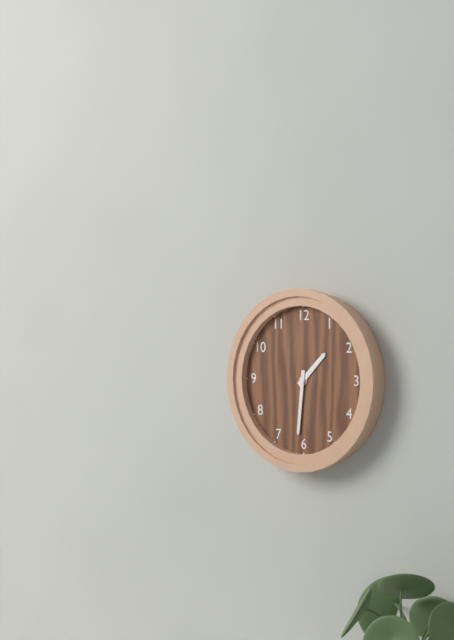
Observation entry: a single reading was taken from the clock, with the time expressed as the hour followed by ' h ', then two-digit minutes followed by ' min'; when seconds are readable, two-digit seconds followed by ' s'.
1 h 31 min
